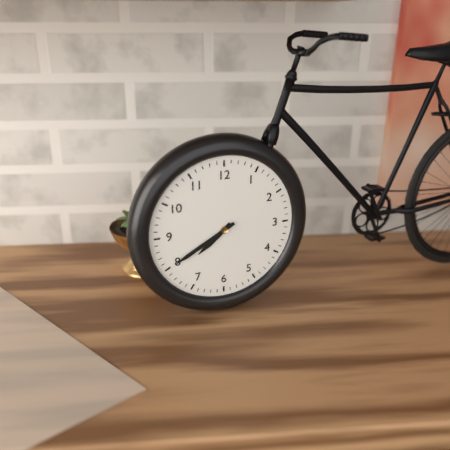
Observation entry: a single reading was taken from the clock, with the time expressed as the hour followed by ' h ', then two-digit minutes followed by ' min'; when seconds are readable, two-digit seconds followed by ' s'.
7 h 40 min
